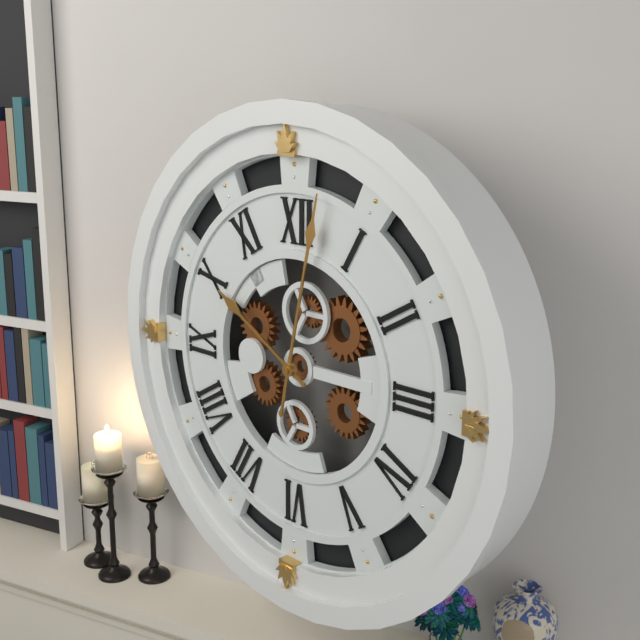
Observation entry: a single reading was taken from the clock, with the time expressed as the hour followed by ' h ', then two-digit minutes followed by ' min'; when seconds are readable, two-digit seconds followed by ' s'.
10 h 02 min
